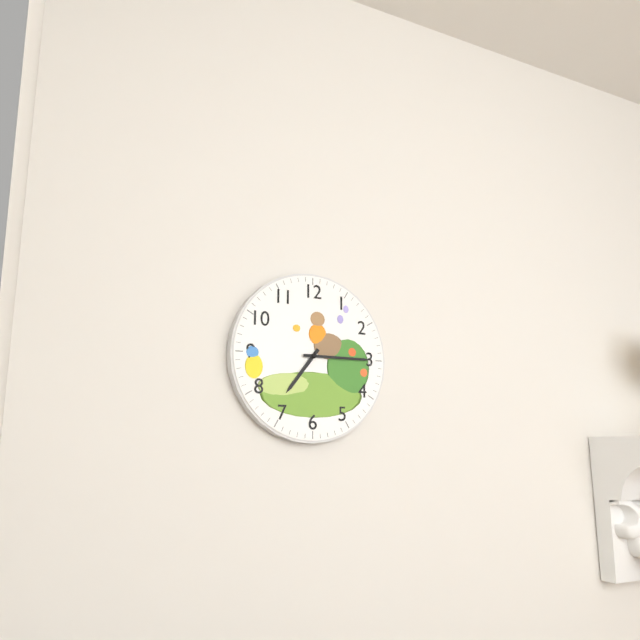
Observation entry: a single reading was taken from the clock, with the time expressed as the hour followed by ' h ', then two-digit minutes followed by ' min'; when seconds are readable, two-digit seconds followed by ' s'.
7 h 15 min
